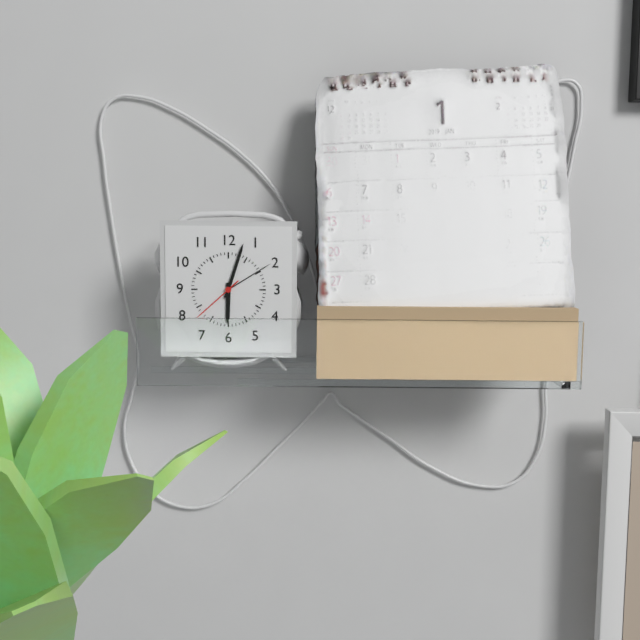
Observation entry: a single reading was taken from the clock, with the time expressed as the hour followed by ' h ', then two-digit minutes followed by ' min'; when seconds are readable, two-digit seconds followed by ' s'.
6 h 03 min 38 s
